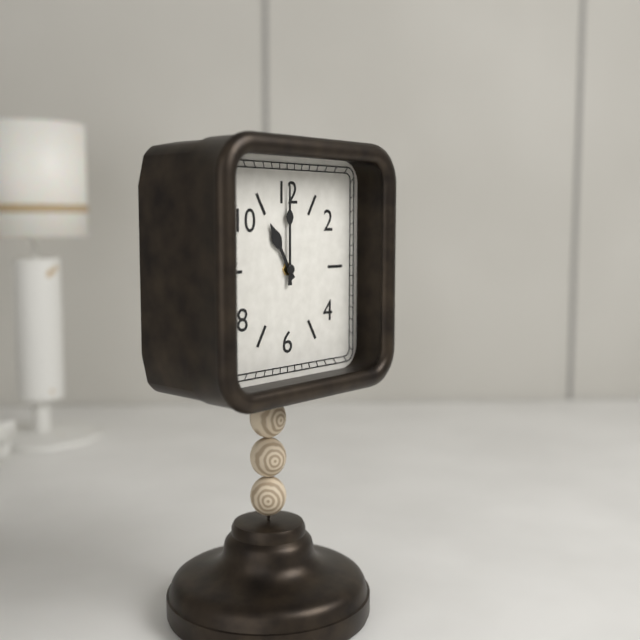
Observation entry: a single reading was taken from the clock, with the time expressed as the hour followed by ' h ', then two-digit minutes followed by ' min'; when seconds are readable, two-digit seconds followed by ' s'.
11 h 00 min
